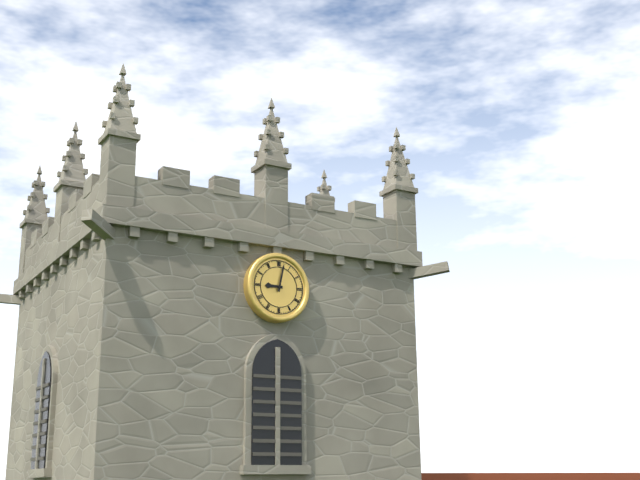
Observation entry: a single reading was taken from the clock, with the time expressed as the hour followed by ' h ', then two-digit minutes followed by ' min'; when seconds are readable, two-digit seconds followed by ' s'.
9 h 02 min
